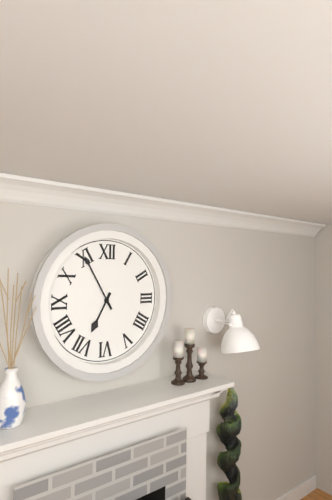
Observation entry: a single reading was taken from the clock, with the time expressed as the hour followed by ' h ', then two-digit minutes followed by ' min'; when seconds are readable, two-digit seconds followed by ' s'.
6 h 55 min
